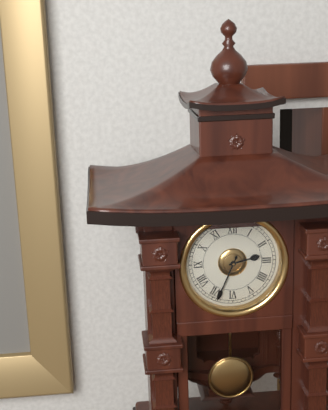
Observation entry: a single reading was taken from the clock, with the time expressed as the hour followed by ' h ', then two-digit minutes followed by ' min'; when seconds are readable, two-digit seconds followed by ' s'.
2 h 34 min
